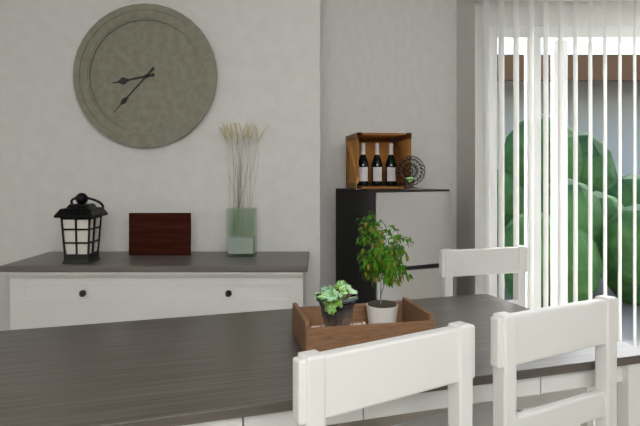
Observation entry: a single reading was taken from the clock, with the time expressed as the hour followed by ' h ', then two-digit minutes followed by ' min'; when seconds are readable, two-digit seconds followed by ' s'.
8 h 37 min
